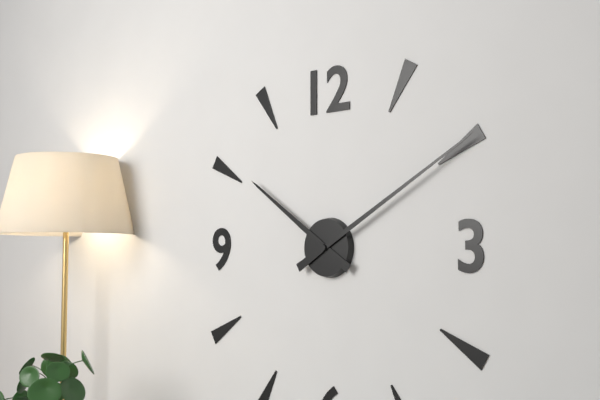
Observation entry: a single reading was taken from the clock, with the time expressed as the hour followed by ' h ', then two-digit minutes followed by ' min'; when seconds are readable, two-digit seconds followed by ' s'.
10 h 10 min
